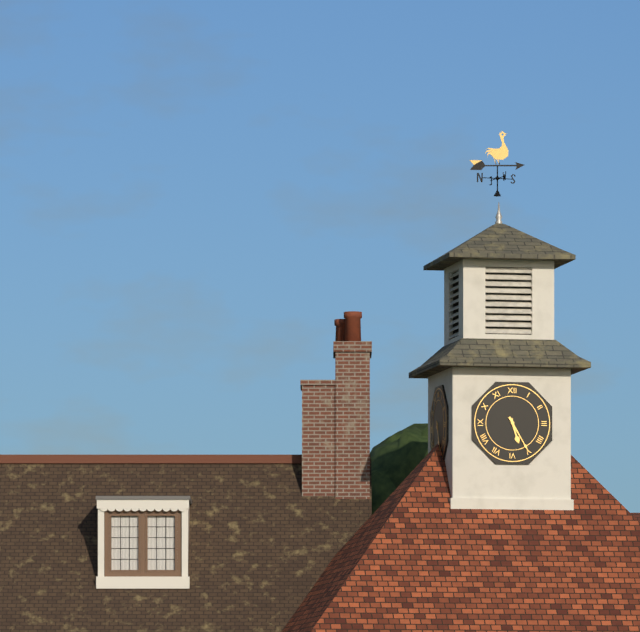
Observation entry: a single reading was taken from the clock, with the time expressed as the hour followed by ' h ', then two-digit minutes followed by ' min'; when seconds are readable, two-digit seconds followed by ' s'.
5 h 25 min
